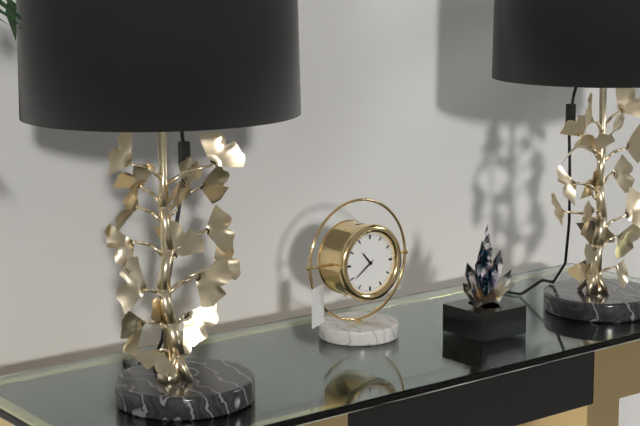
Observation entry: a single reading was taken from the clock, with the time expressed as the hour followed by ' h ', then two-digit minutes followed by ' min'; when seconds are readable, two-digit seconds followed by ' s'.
10 h 39 min
